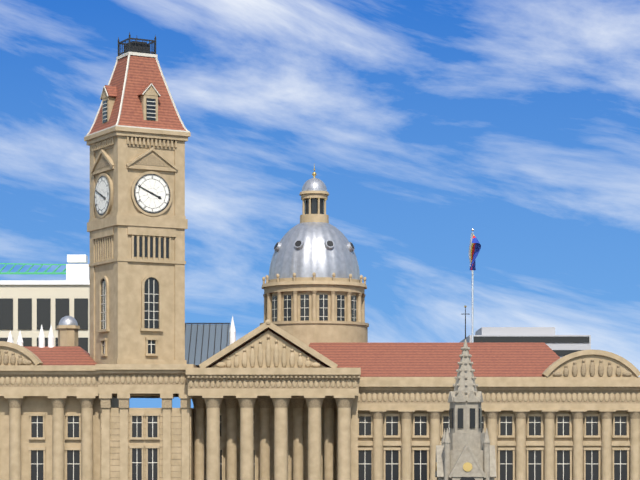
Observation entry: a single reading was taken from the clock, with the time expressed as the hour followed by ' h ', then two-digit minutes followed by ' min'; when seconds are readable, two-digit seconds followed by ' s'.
3 h 49 min
